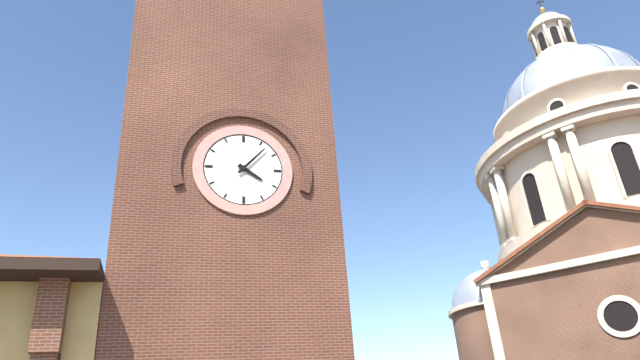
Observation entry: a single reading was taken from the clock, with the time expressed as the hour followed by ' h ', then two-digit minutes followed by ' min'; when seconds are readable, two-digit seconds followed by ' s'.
4 h 07 min
